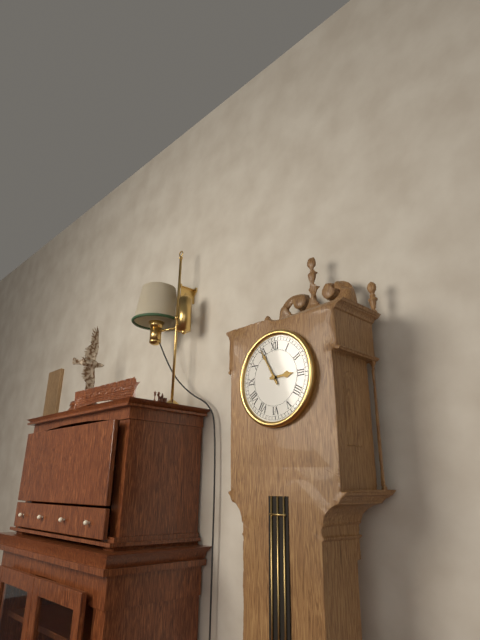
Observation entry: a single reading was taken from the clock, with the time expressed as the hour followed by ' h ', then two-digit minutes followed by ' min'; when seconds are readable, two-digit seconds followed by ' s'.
2 h 55 min
